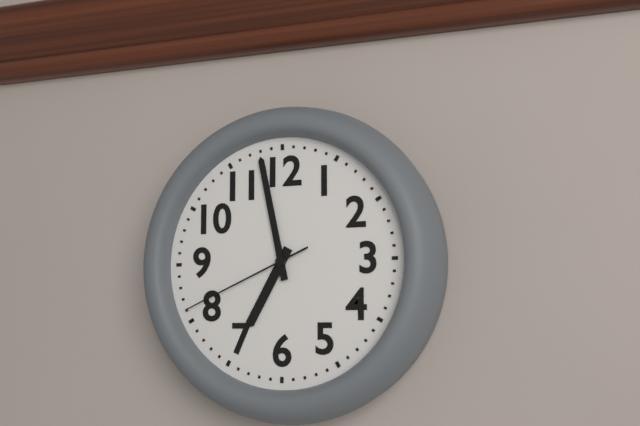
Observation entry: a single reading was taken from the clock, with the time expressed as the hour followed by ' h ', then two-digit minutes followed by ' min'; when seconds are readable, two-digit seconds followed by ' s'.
6 h 58 min 41 s
